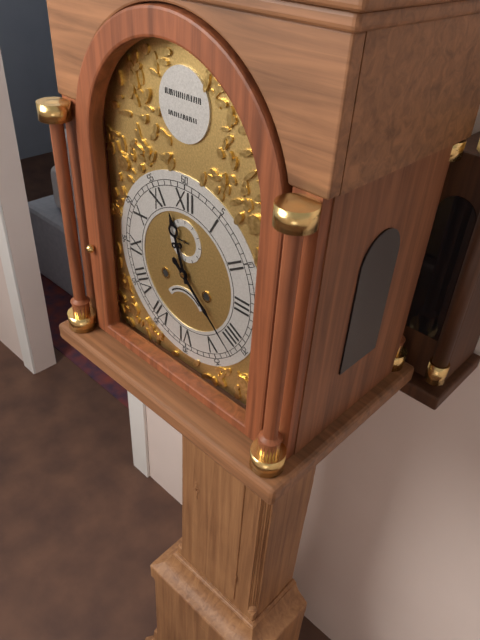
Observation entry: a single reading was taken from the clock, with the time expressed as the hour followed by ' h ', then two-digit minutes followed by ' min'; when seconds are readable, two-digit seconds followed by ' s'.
11 h 22 min
